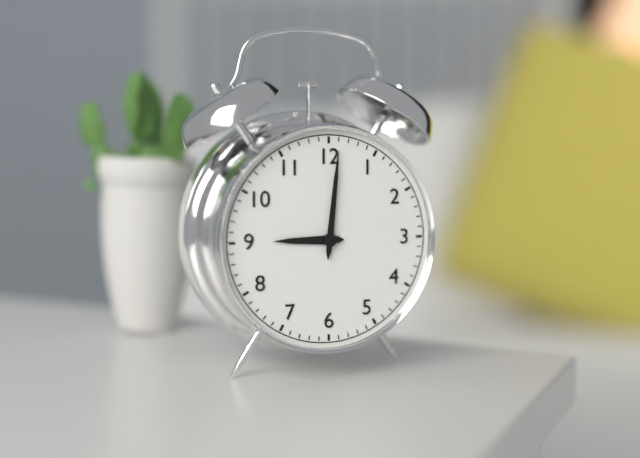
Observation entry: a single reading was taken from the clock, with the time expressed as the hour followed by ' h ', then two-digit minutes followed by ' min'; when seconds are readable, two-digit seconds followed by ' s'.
9 h 01 min
